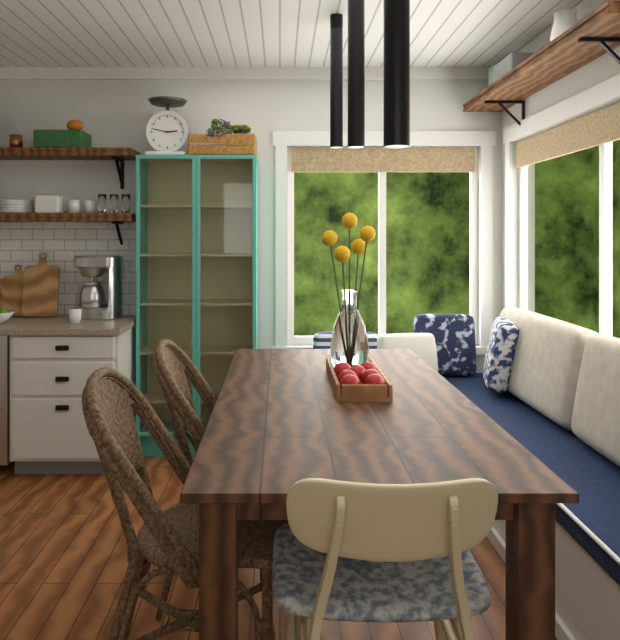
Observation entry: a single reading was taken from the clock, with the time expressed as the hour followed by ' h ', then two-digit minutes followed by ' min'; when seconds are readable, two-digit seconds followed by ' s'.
2 h 47 min
